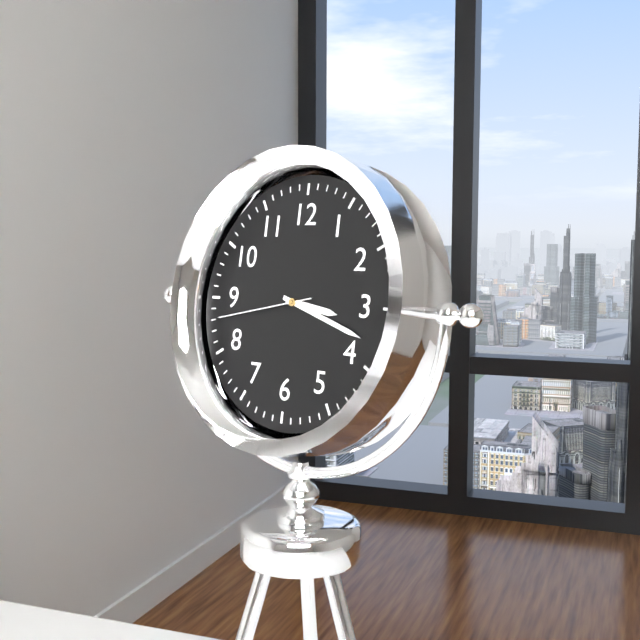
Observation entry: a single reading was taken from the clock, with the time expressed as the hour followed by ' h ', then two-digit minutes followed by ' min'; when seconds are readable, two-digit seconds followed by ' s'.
3 h 18 min 43 s
